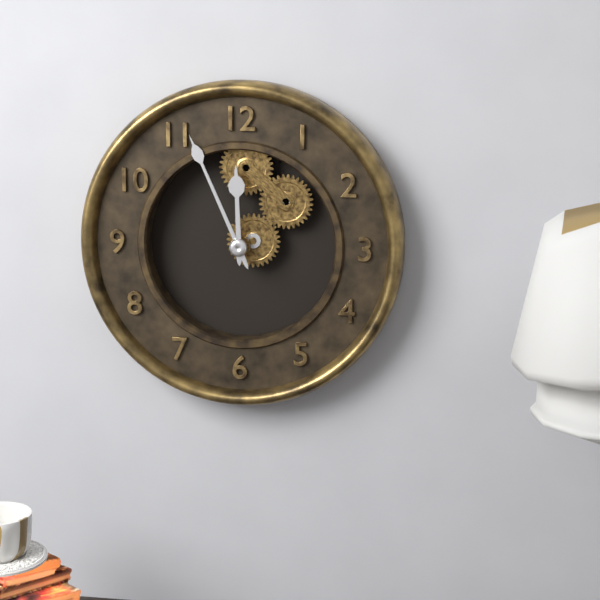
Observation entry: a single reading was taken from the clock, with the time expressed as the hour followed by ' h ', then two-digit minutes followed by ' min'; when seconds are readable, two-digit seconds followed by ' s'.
11 h 56 min
